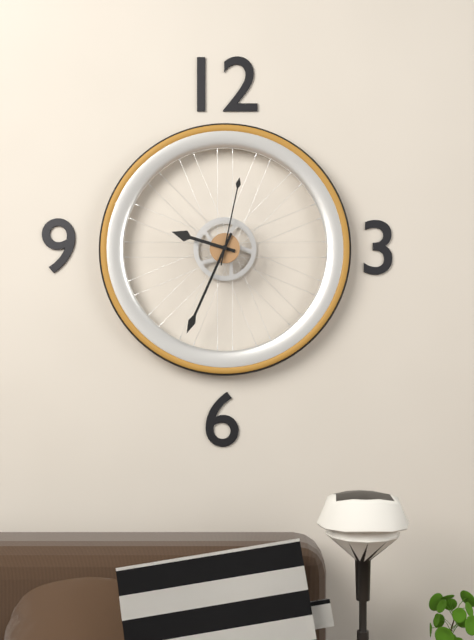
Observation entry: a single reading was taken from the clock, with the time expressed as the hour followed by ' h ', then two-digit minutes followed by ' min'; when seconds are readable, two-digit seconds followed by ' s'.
9 h 34 min 02 s
